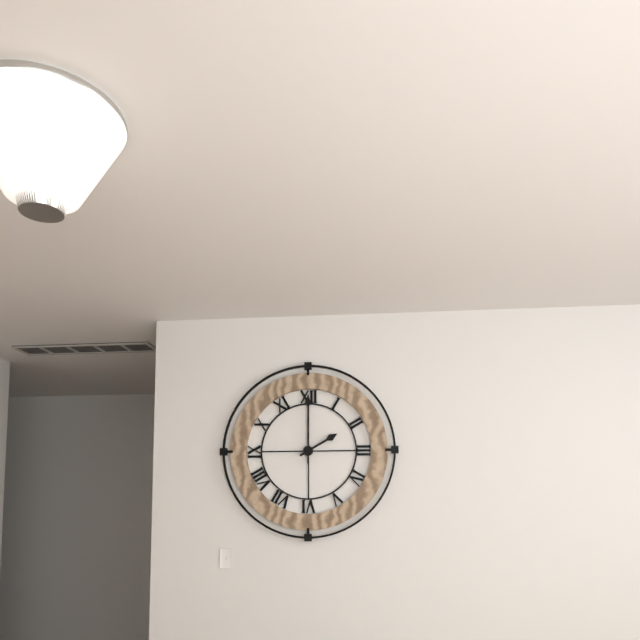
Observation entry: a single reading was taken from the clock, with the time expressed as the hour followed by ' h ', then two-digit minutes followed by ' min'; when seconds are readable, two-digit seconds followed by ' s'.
2 h 00 min
